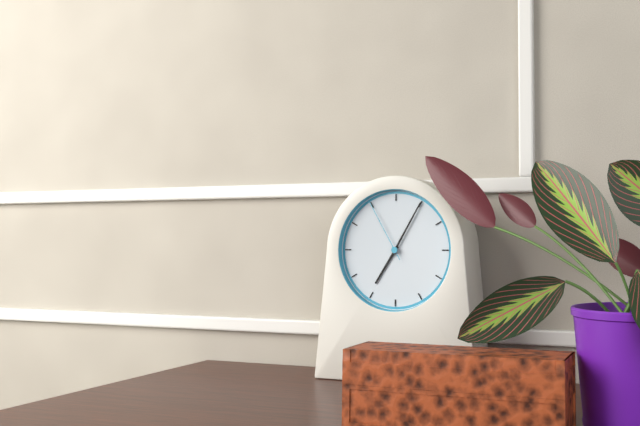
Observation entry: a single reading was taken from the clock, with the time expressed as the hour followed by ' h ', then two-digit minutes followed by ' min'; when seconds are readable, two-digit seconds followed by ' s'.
7 h 05 min 55 s
